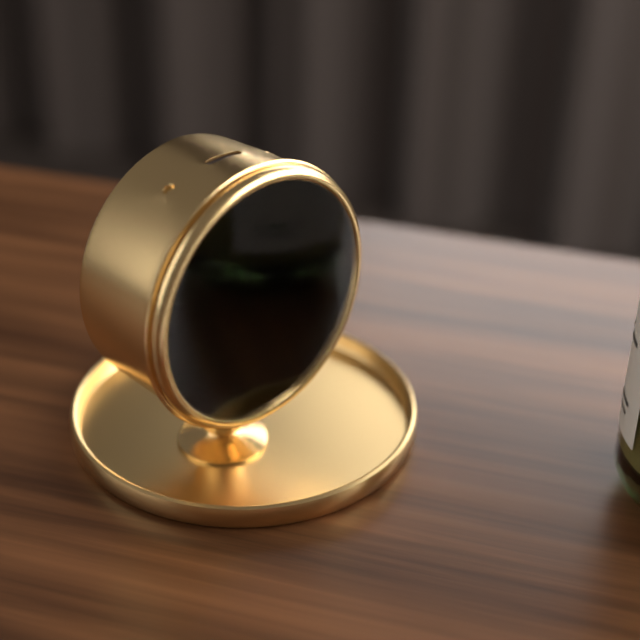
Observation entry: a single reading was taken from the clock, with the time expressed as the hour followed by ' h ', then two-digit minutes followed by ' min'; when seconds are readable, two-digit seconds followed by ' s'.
2 h 34 min 17 s
